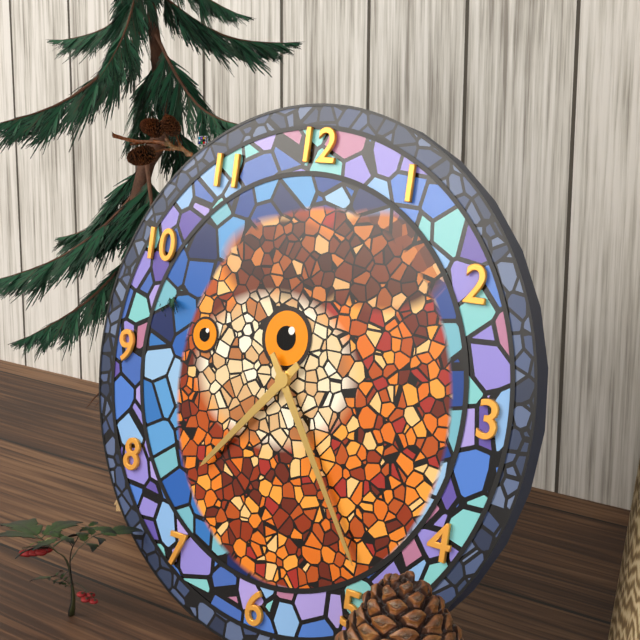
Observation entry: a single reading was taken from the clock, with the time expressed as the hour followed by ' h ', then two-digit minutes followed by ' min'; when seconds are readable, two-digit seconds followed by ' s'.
7 h 24 min
